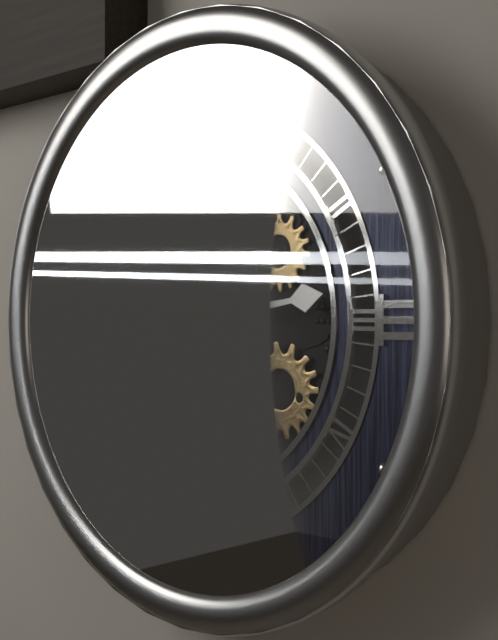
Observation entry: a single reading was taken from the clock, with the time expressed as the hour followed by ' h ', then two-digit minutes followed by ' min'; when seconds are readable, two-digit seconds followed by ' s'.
2 h 43 min
